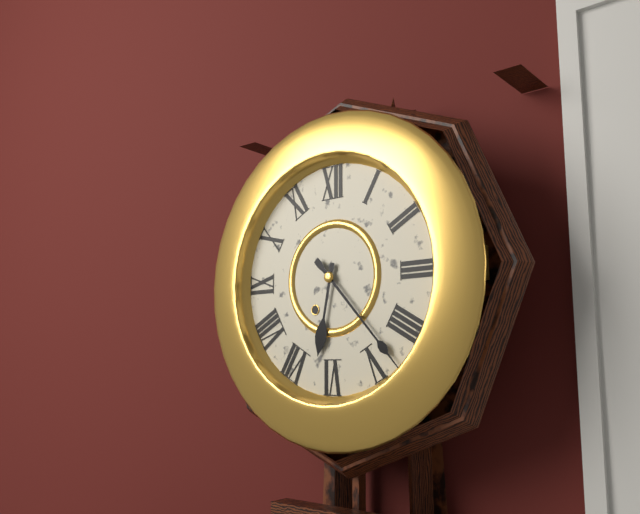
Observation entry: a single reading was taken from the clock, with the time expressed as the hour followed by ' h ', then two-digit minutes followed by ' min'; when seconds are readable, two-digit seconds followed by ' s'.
6 h 23 min
